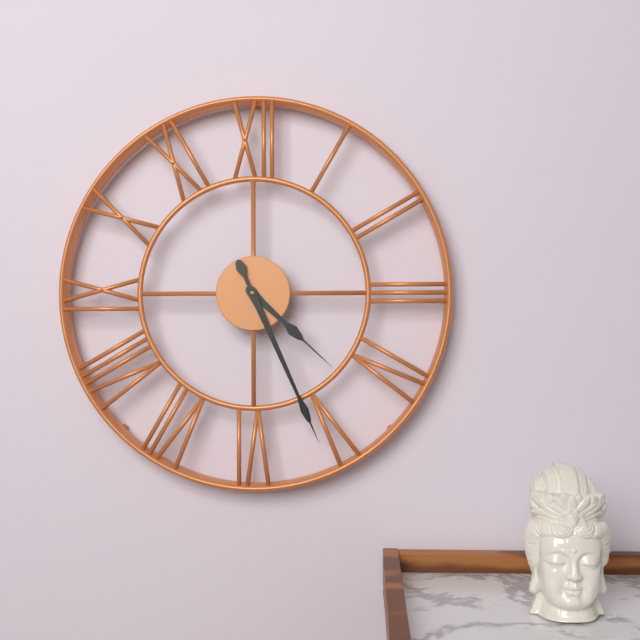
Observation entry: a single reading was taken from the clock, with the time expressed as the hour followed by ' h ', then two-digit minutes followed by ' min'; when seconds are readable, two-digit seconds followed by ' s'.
4 h 26 min
